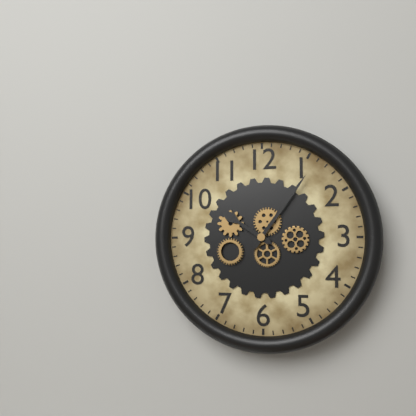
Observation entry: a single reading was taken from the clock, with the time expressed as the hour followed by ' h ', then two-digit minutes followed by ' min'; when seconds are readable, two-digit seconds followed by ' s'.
10 h 06 min
